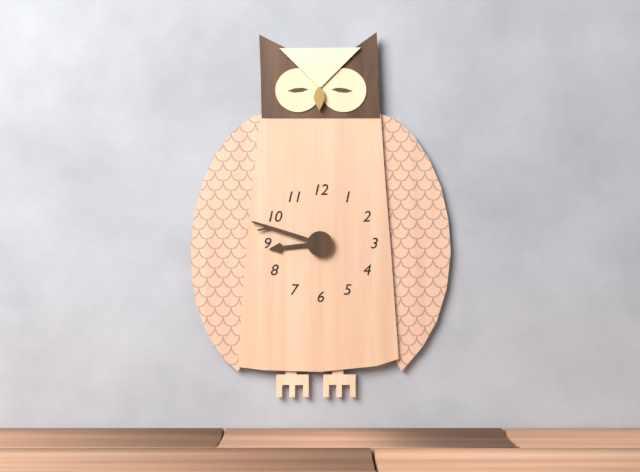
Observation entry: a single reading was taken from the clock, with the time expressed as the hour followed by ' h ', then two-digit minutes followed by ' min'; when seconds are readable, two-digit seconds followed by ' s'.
8 h 48 min
